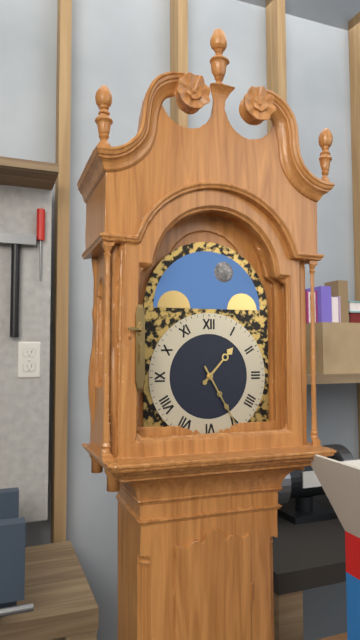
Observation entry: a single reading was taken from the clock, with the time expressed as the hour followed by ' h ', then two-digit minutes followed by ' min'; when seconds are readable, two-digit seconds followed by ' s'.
1 h 25 min
